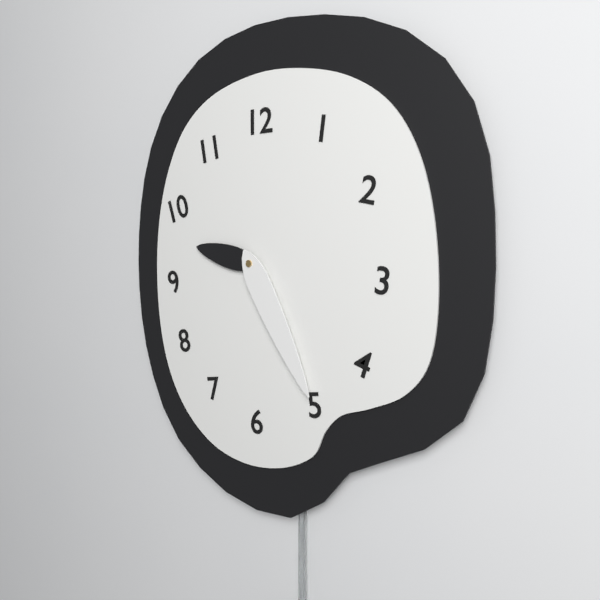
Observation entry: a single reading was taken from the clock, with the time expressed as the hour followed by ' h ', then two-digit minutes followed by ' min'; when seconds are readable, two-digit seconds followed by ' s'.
9 h 25 min
